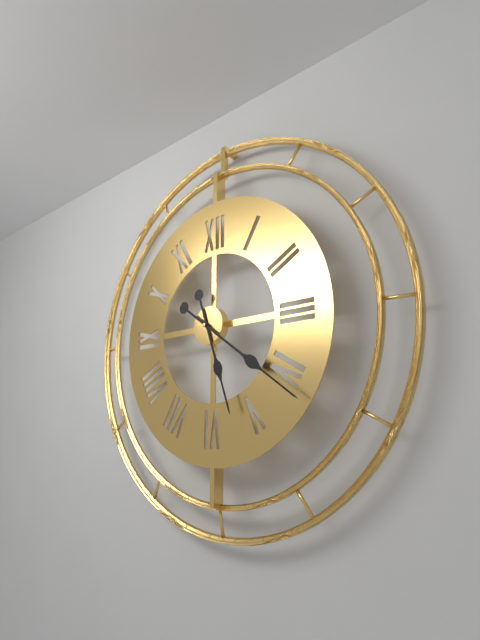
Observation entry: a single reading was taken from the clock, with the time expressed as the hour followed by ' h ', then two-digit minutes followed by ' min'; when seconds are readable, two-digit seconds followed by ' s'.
5 h 21 min
